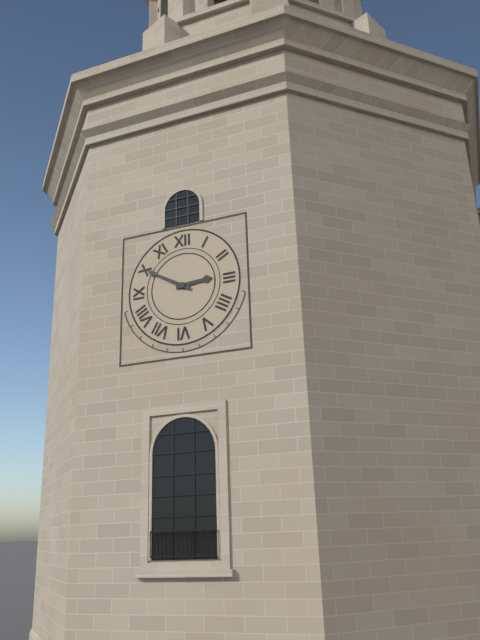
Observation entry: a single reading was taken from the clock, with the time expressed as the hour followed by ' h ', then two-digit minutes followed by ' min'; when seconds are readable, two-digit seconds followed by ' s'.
2 h 50 min
